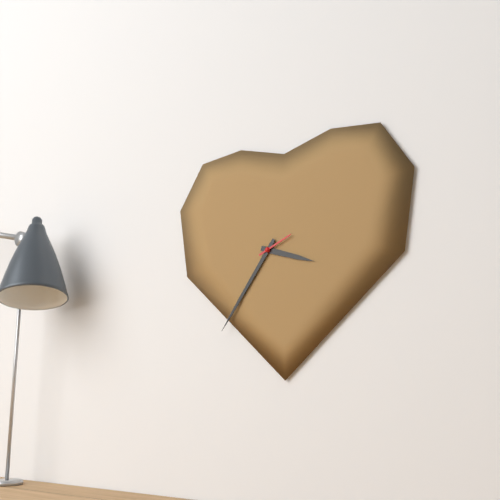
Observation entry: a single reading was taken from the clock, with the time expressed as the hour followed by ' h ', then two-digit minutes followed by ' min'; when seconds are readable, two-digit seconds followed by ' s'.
3 h 36 min
